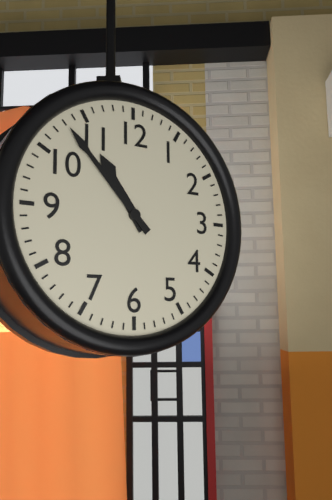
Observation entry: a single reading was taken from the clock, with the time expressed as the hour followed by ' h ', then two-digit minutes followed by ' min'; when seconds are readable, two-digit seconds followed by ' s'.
10 h 53 min
